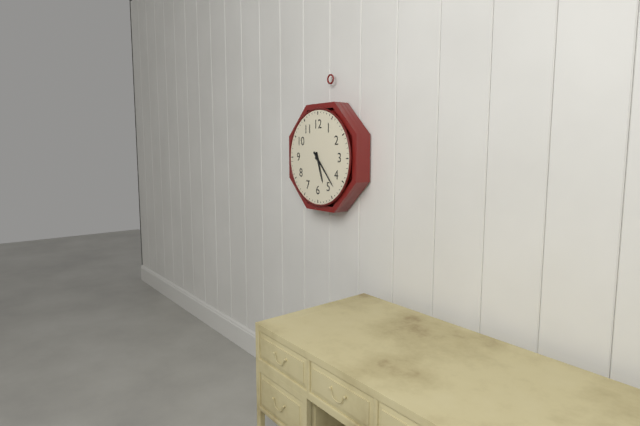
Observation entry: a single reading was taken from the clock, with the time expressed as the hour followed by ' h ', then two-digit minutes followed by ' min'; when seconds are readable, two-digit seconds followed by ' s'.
5 h 23 min
